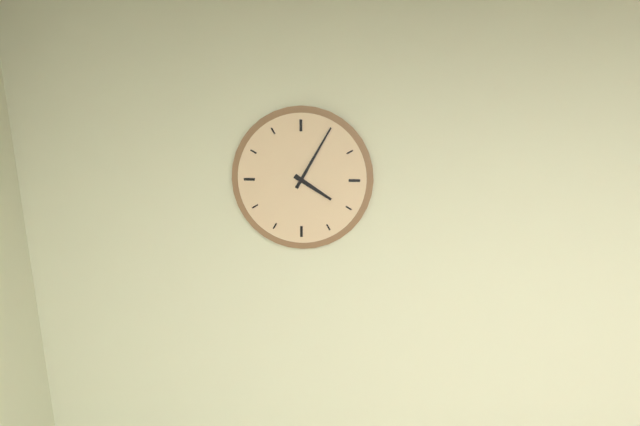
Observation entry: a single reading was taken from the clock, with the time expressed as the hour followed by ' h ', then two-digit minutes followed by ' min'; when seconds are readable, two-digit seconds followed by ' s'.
4 h 05 min
